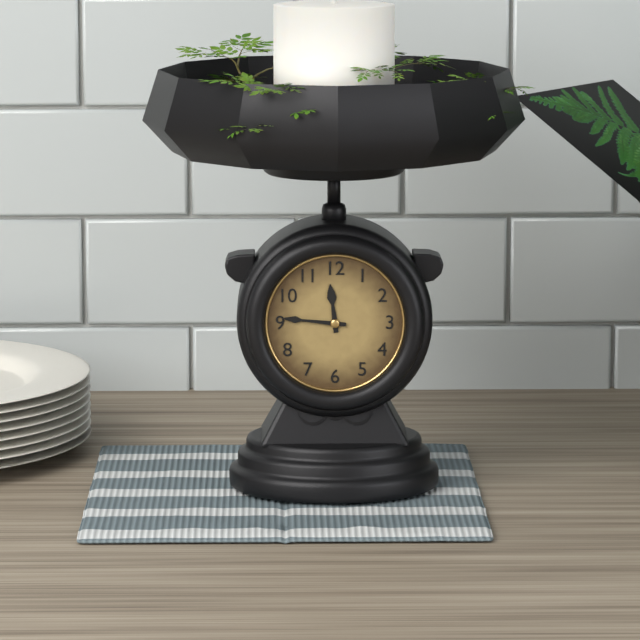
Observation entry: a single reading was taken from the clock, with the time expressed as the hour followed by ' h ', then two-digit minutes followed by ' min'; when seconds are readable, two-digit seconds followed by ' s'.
11 h 46 min
